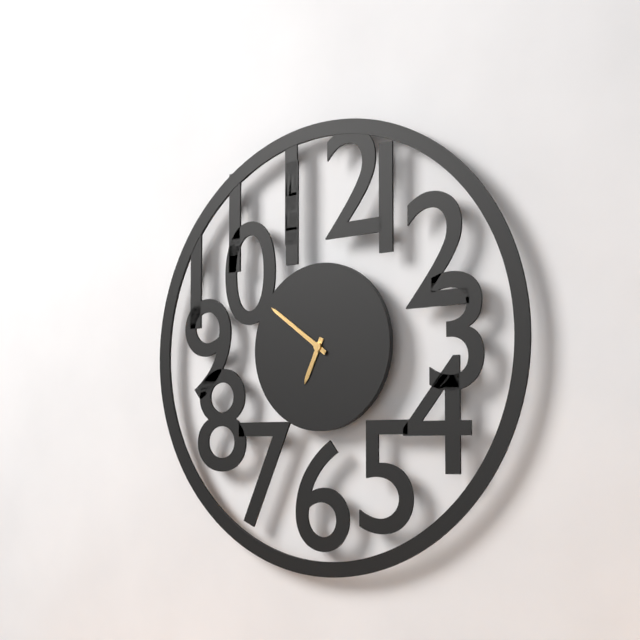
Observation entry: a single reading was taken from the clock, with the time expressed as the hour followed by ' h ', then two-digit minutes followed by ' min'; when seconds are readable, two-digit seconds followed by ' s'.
6 h 51 min
